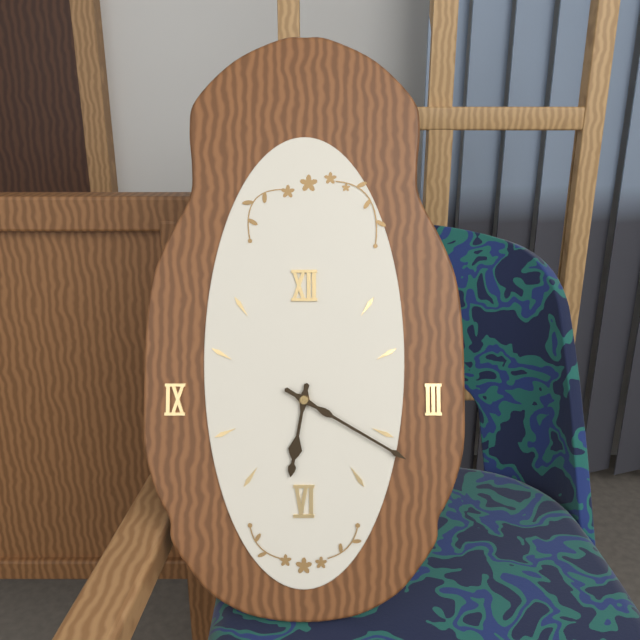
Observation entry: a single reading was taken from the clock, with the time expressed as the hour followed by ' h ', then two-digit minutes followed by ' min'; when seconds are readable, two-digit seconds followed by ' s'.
6 h 20 min
